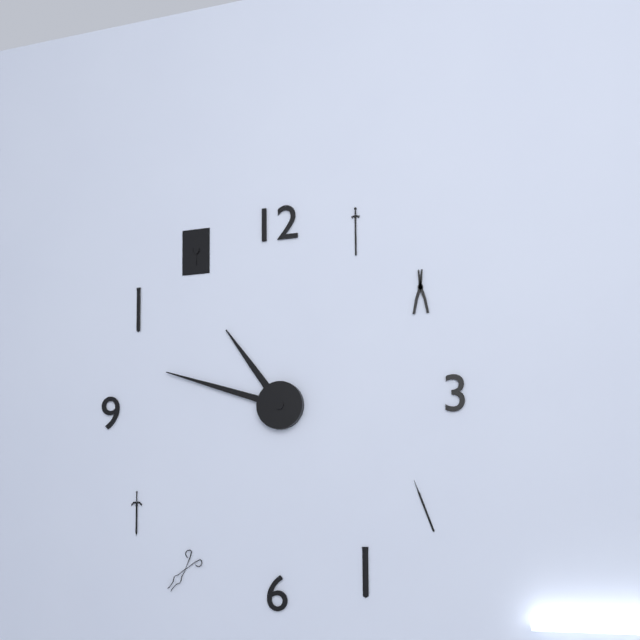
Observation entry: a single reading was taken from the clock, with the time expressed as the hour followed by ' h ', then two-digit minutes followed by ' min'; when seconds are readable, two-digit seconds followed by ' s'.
10 h 48 min
